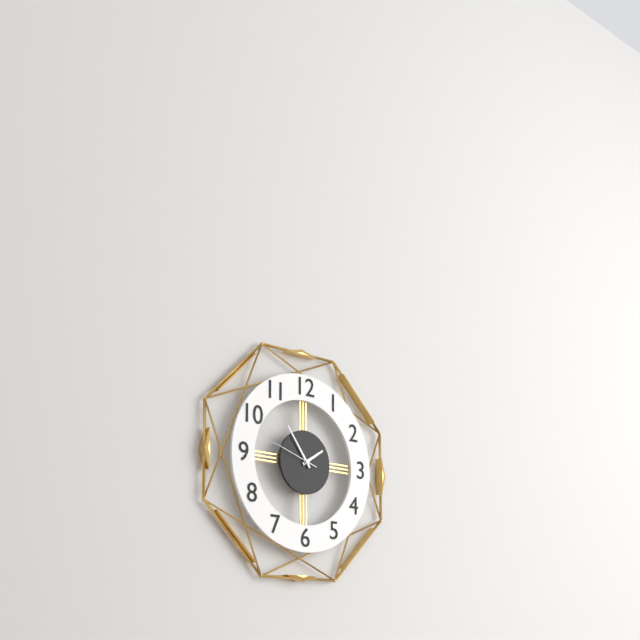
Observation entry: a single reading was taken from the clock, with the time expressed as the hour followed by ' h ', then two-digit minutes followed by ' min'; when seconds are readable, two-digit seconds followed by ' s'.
1 h 54 min
